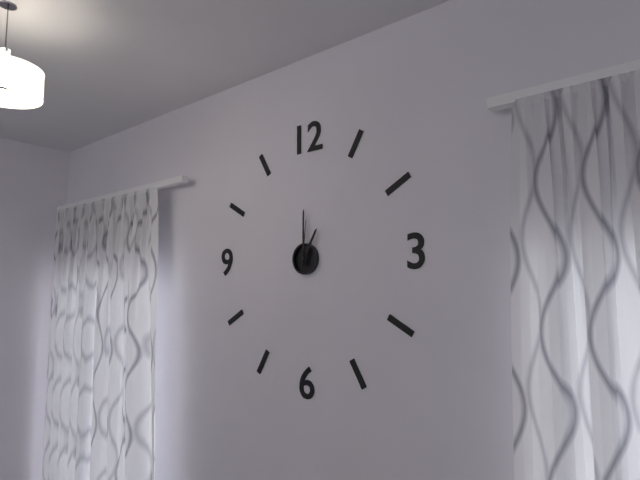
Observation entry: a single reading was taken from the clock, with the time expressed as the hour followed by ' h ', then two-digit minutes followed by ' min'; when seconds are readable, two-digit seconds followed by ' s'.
1 h 00 min
